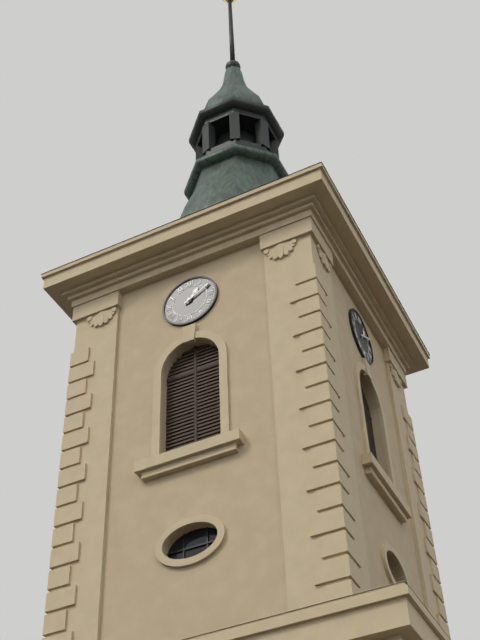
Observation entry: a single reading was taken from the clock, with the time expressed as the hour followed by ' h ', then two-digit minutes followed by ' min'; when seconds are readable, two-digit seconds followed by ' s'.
1 h 10 min
